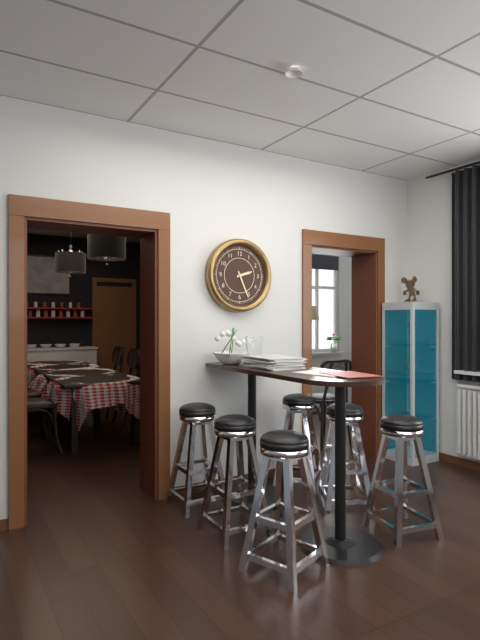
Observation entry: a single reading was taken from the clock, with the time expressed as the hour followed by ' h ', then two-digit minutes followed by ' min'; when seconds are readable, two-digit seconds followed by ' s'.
2 h 26 min
